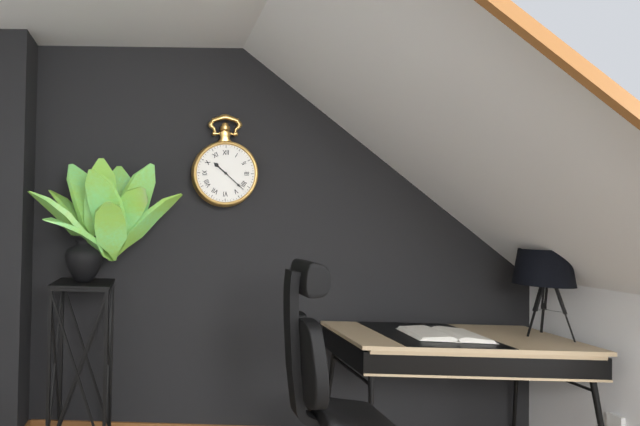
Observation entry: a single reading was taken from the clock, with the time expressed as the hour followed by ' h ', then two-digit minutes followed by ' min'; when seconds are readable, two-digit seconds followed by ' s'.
10 h 22 min
